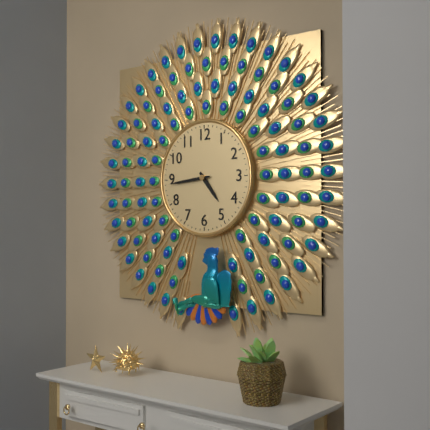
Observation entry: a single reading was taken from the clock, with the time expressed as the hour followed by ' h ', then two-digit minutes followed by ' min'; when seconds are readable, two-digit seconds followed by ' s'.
4 h 44 min
